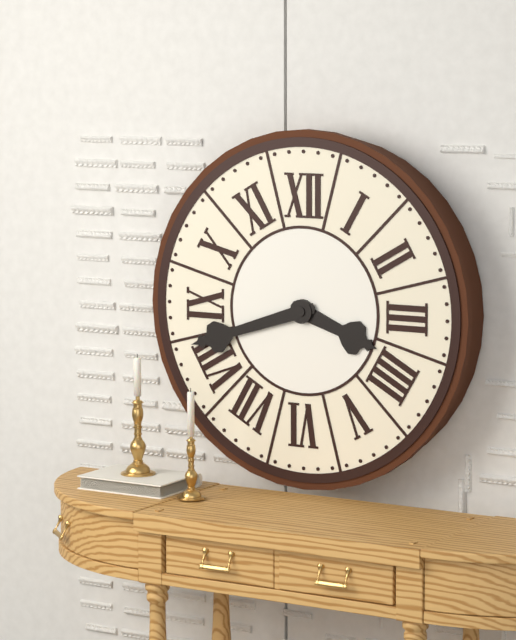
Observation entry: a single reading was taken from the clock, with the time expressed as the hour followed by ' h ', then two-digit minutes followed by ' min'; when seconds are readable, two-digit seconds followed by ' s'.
3 h 42 min
